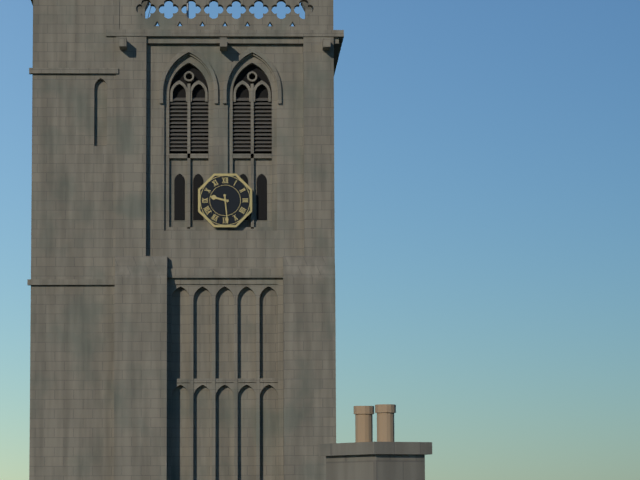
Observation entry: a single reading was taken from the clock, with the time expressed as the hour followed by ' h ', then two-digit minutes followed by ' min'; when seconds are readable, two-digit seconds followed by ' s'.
9 h 29 min
